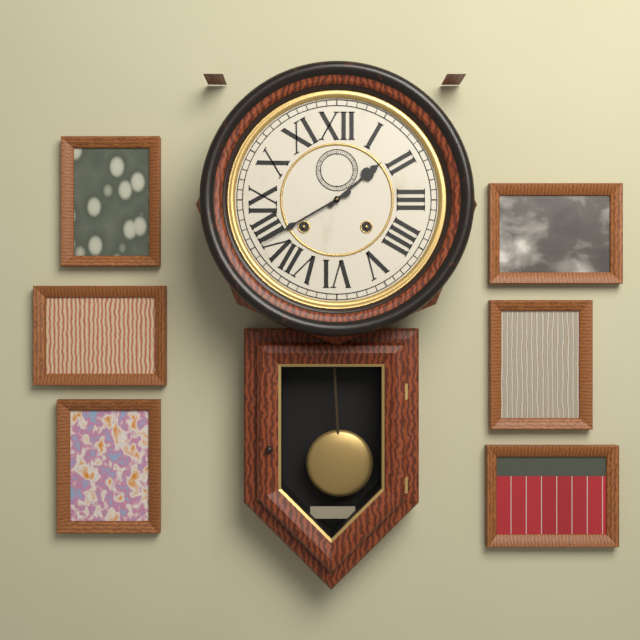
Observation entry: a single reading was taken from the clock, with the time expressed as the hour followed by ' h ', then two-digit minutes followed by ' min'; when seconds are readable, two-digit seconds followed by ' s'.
1 h 40 min
